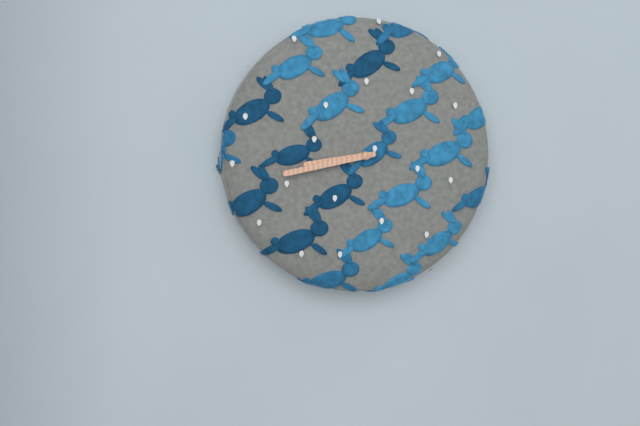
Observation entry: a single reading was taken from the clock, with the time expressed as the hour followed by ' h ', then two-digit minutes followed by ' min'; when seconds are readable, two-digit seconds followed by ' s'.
8 h 43 min
